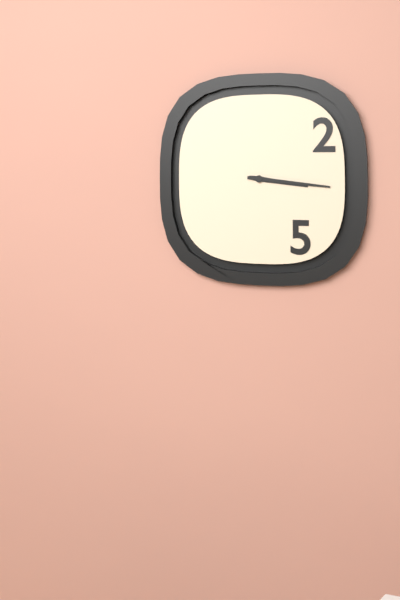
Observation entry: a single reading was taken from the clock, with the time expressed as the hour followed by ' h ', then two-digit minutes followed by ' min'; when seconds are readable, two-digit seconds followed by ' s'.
3 h 16 min
